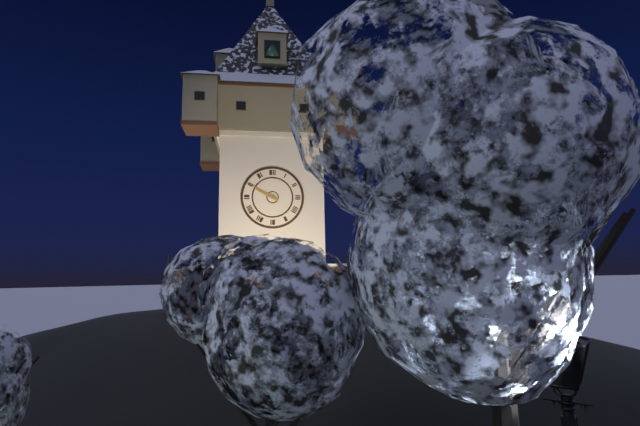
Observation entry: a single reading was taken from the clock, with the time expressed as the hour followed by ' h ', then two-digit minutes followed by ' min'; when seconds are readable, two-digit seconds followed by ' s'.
9 h 50 min
